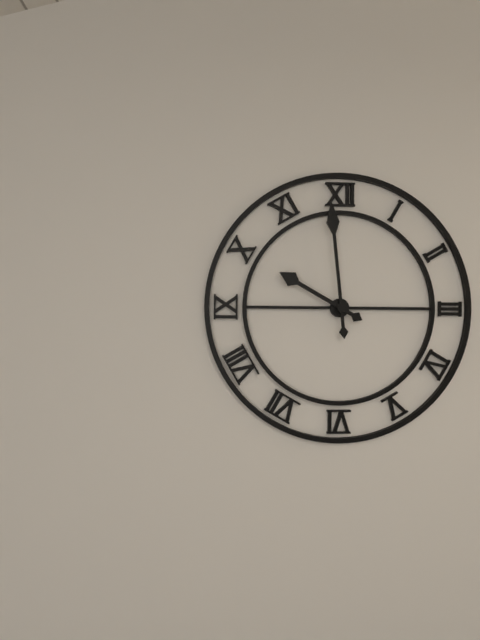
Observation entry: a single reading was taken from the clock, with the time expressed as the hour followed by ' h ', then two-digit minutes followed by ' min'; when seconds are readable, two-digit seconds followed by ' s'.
9 h 59 min
